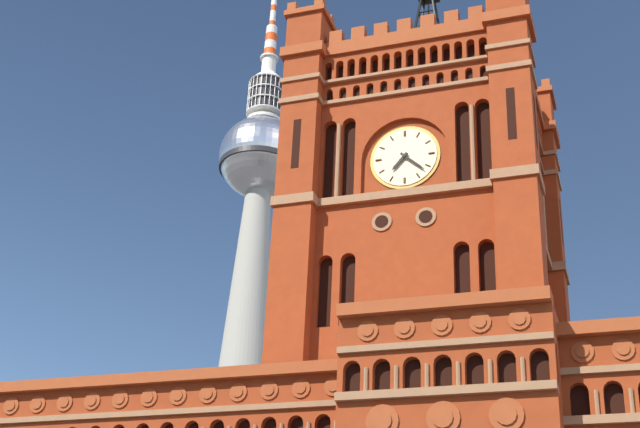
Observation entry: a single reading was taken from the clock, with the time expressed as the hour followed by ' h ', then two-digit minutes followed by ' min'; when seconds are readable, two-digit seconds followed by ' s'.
7 h 22 min
